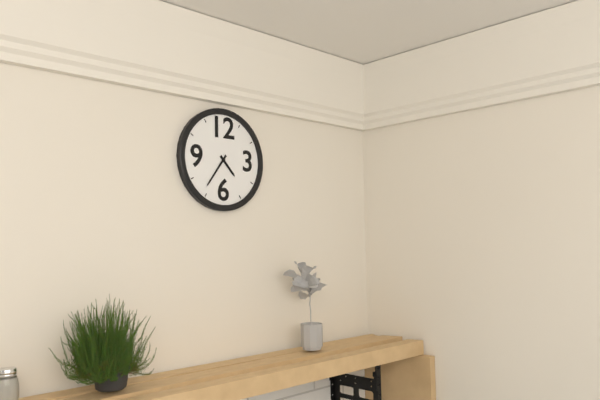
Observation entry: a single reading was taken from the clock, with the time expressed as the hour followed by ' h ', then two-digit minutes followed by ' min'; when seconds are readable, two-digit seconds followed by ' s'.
4 h 36 min
